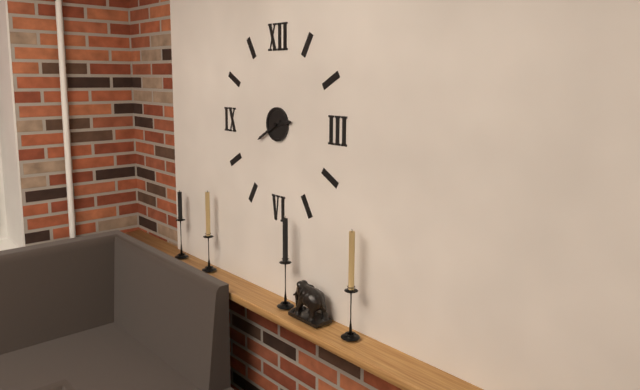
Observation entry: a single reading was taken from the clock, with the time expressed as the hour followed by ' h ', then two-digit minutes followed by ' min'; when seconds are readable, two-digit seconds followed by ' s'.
2 h 40 min
